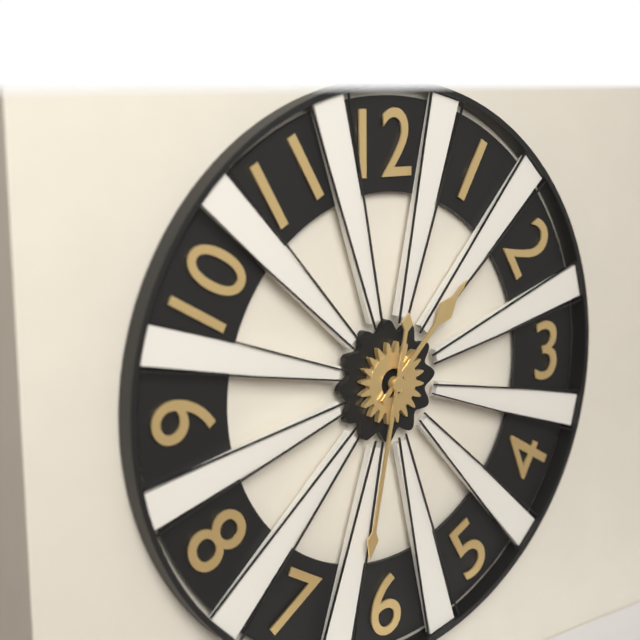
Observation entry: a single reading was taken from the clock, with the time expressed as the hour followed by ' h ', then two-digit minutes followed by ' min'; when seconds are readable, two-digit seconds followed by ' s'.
1 h 32 min
